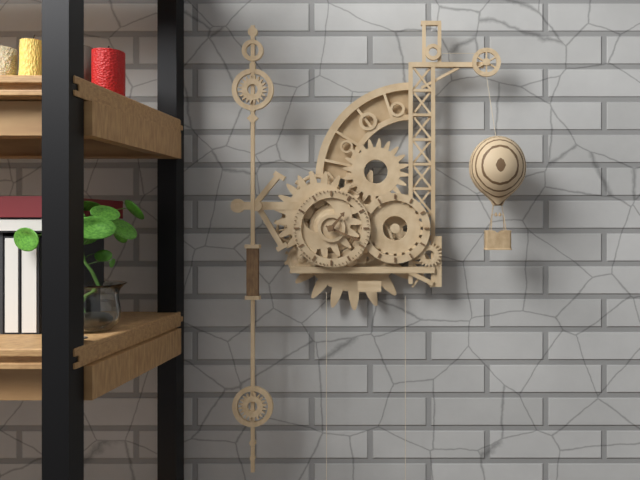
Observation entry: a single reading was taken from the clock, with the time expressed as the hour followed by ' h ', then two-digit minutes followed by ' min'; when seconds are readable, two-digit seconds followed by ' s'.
1 h 19 min
